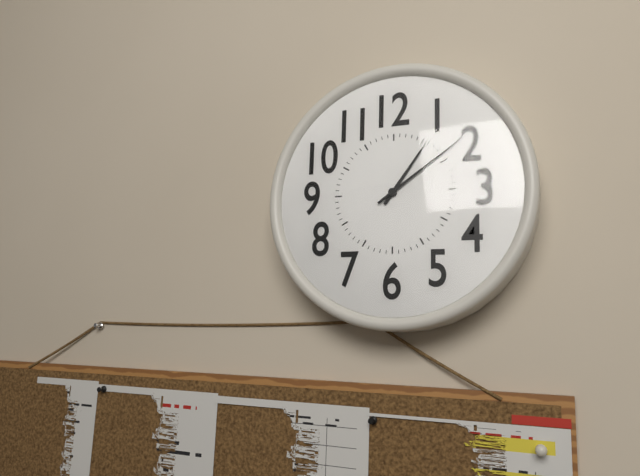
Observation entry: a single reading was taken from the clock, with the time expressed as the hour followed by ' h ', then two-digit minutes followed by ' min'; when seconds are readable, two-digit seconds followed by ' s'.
1 h 09 min
